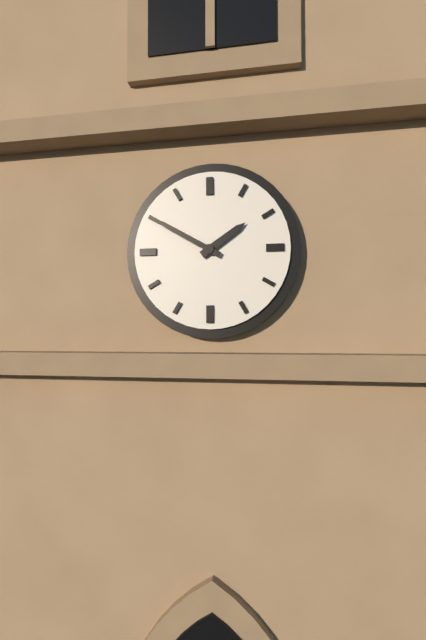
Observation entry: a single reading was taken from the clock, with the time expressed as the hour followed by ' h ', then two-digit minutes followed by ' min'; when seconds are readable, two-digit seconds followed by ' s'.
1 h 50 min
